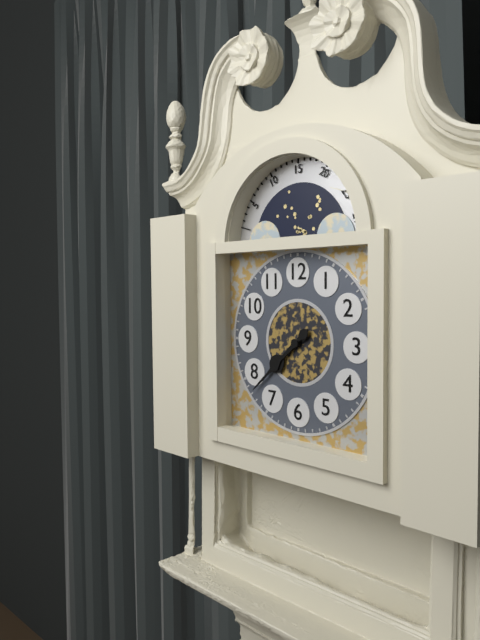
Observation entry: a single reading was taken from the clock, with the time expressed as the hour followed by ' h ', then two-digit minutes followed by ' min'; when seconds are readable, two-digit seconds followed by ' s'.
7 h 38 min
